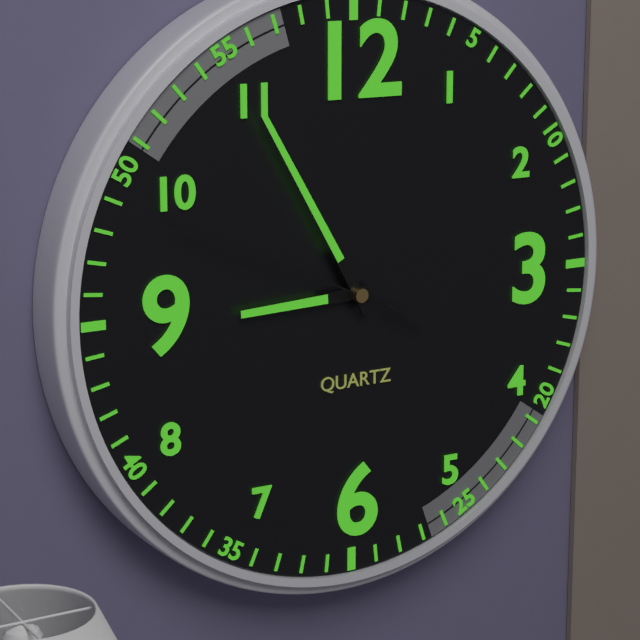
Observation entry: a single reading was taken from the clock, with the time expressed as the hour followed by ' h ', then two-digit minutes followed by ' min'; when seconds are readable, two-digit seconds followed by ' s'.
8 h 55 min 49 s
